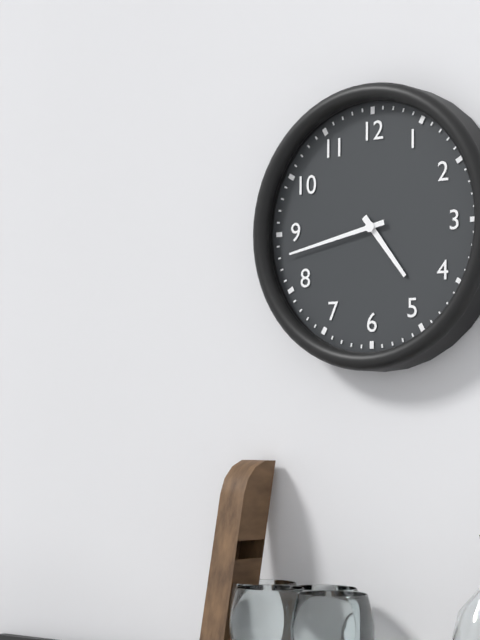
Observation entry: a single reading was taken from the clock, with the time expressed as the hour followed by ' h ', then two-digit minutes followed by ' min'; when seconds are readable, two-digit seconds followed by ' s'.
4 h 43 min
